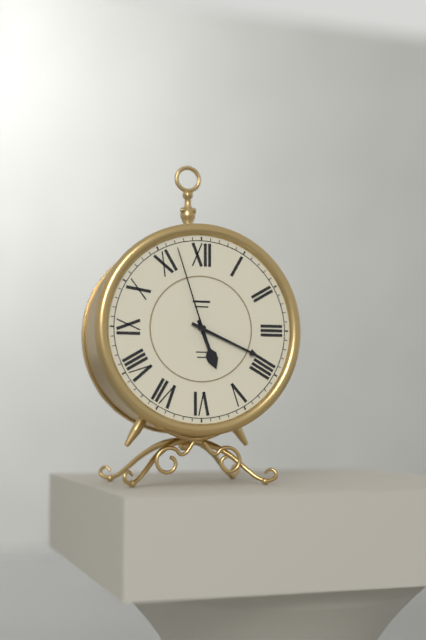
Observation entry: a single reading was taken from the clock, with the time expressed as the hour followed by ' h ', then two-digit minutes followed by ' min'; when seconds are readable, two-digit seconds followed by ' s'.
5 h 19 min 57 s
